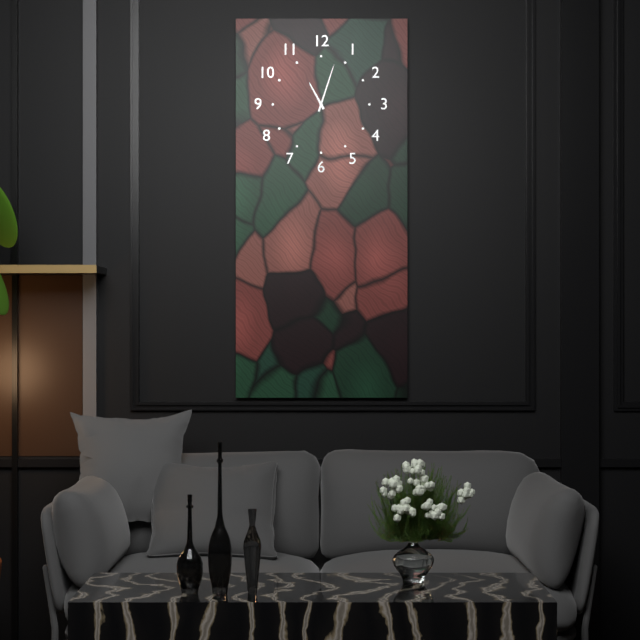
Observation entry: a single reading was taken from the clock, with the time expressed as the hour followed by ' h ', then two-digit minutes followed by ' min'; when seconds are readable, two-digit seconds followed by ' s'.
11 h 03 min
